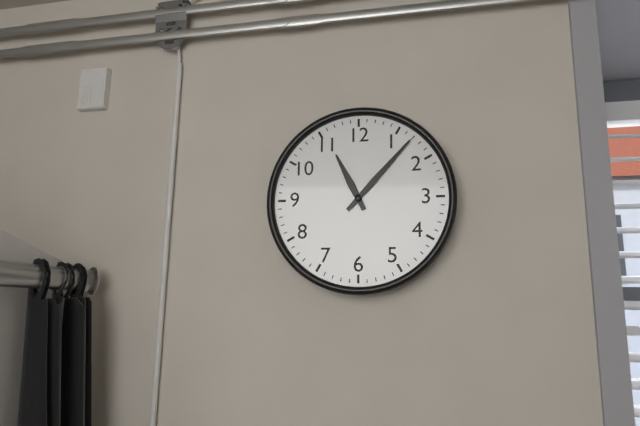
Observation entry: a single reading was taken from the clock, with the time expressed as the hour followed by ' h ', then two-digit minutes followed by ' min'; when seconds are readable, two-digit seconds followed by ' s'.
11 h 07 min
